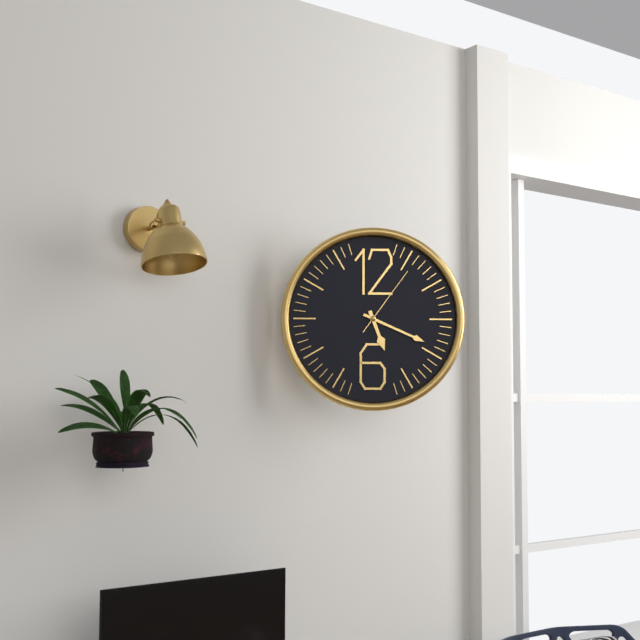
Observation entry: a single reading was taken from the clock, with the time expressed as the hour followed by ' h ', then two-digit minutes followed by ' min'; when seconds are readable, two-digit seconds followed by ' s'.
5 h 19 min 06 s
